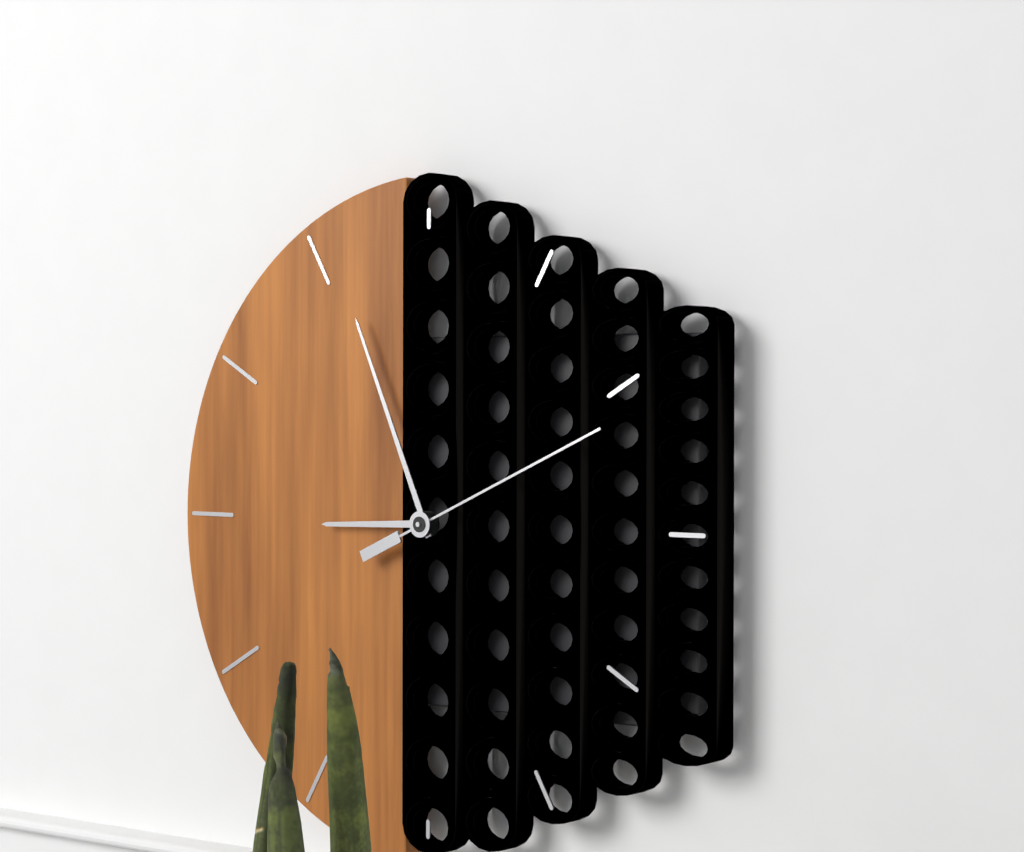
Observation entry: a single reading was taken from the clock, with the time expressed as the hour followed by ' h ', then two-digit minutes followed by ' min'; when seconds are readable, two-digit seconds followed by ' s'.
8 h 56 min 11 s
